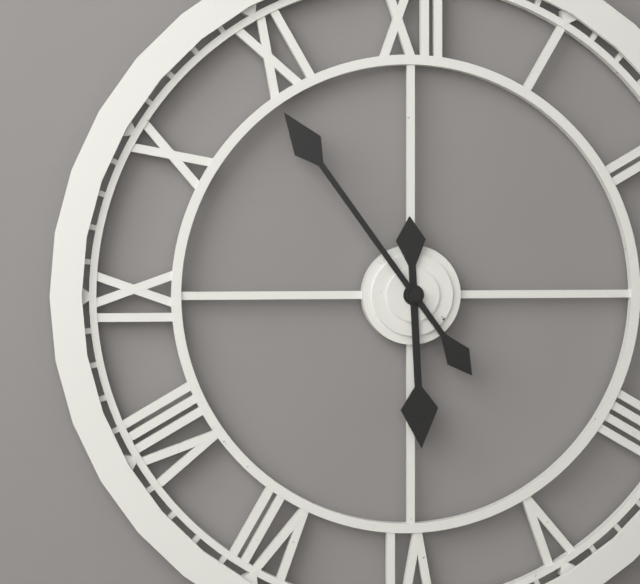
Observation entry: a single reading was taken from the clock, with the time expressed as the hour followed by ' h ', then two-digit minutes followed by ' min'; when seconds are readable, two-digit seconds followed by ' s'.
5 h 54 min
